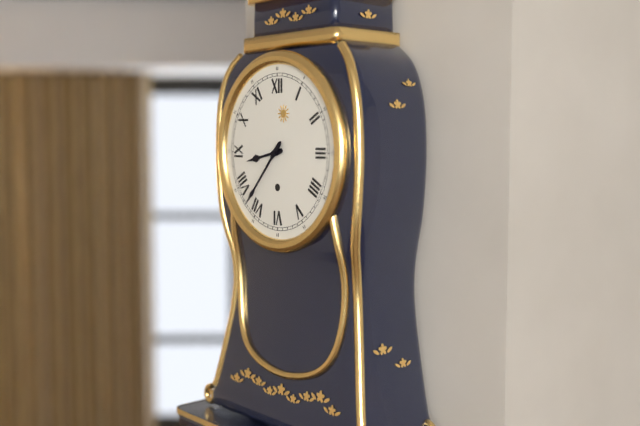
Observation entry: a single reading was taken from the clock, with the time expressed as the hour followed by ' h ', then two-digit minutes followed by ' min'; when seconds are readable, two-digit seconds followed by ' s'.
8 h 37 min
